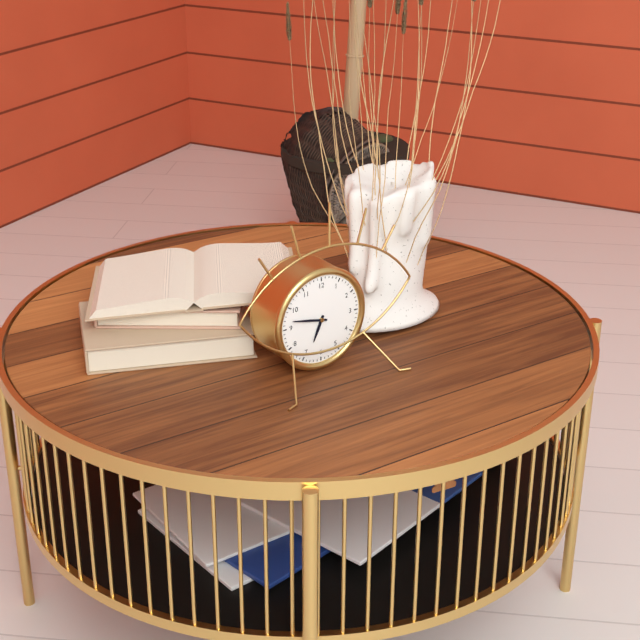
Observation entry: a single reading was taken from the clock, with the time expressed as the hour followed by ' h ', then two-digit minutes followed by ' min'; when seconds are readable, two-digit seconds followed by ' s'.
6 h 47 min
